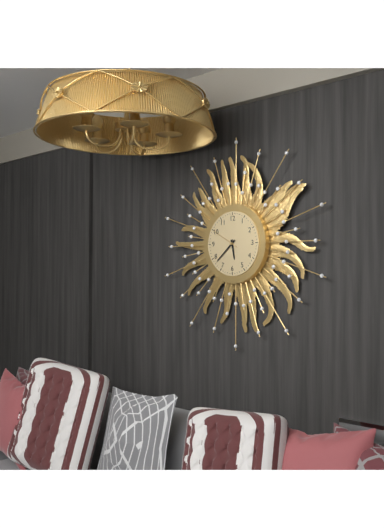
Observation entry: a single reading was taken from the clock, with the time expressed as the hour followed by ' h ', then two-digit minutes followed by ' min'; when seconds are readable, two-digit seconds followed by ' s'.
5 h 38 min
